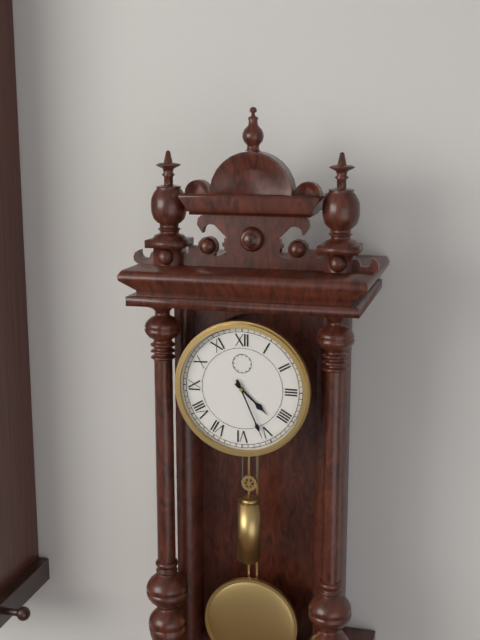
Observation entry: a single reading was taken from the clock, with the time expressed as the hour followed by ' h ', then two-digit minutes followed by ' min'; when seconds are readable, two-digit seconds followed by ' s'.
4 h 26 min
